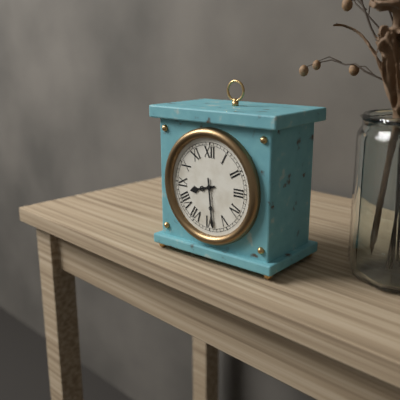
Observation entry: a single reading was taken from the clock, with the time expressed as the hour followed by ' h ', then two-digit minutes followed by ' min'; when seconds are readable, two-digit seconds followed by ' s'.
8 h 29 min
